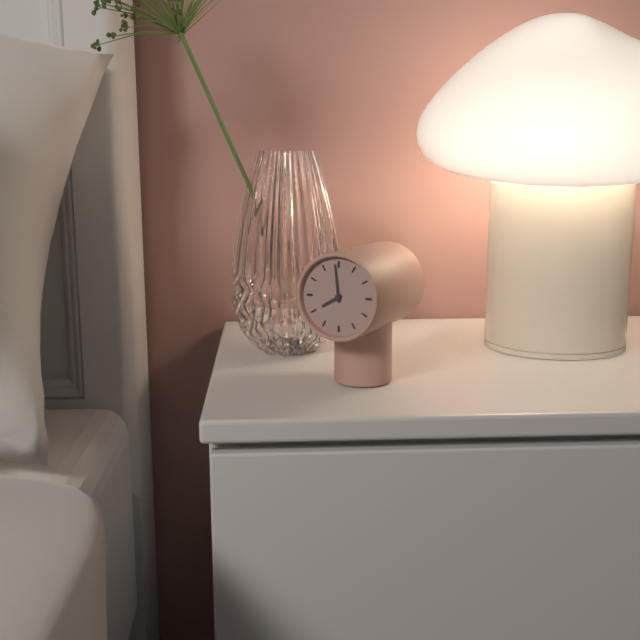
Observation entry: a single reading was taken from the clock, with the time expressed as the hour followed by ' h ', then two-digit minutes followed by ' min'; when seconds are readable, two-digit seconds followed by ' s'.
7 h 59 min
